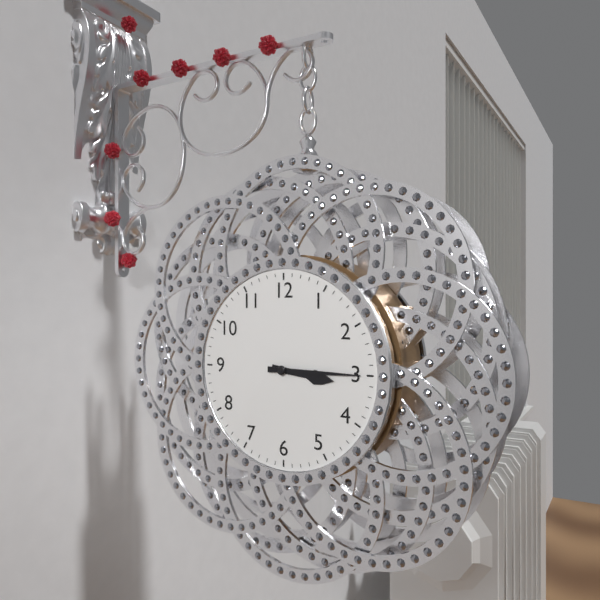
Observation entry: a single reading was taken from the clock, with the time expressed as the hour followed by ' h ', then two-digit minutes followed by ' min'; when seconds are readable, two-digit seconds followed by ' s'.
3 h 15 min
